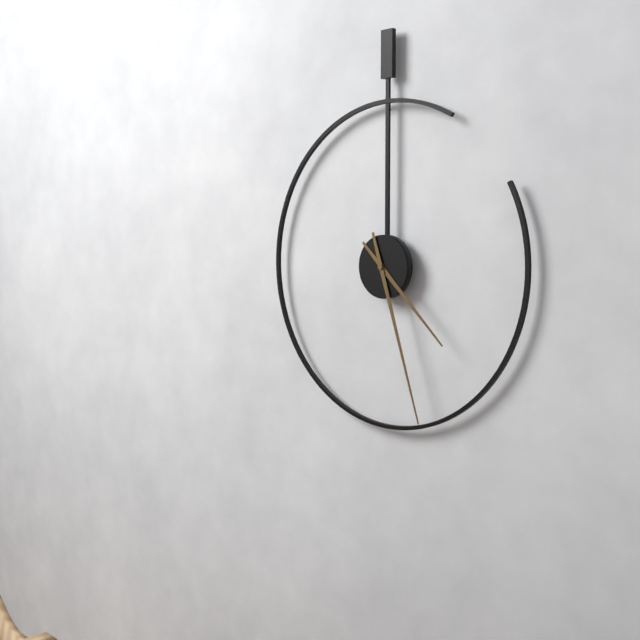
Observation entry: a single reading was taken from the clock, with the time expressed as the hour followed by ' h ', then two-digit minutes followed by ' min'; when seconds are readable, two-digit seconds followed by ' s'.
4 h 27 min
